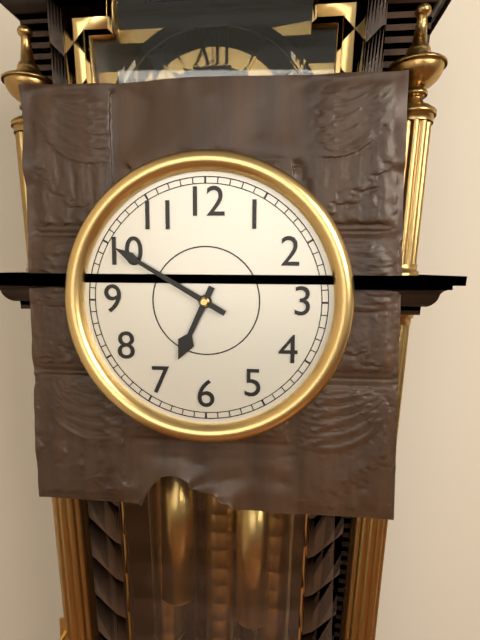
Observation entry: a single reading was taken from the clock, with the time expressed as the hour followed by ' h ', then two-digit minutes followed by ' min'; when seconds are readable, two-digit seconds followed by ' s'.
6 h 50 min
